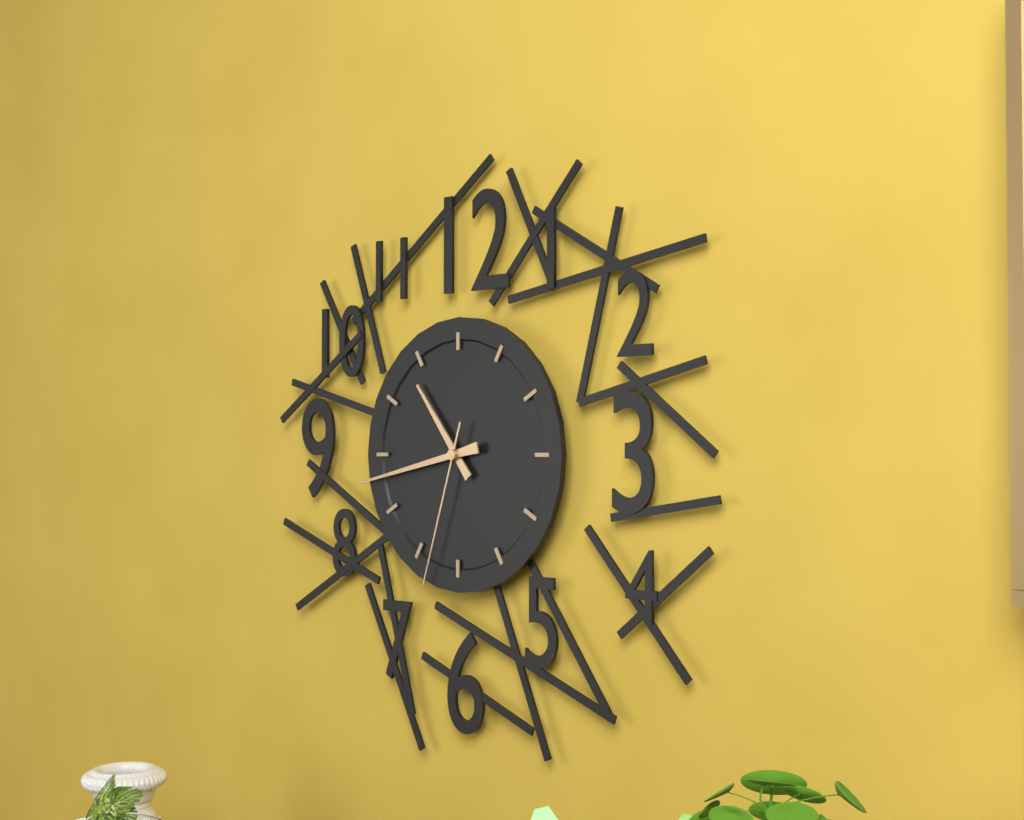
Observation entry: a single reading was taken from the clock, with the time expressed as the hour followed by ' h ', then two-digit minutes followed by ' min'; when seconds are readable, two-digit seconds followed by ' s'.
10 h 43 min 33 s
